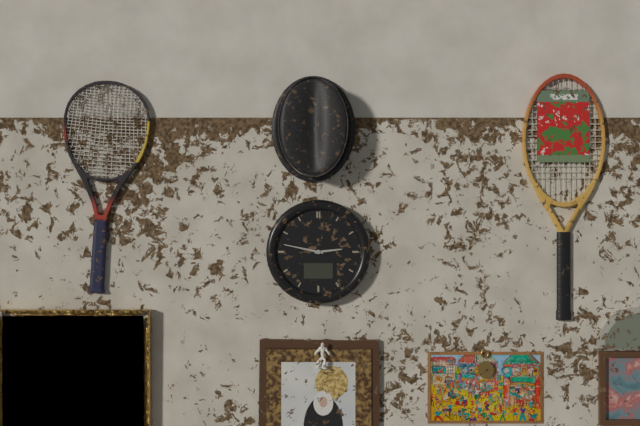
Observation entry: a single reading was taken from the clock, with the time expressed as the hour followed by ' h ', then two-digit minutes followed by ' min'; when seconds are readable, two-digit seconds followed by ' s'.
2 h 47 min
